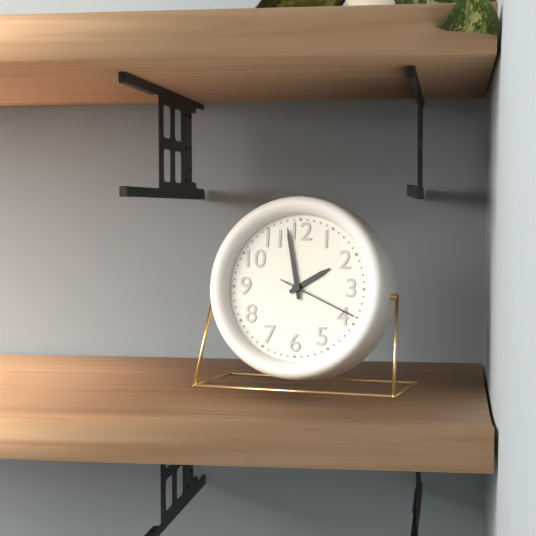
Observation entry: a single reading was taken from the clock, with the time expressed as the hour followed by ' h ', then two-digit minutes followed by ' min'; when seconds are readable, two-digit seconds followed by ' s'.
1 h 58 min 19 s
